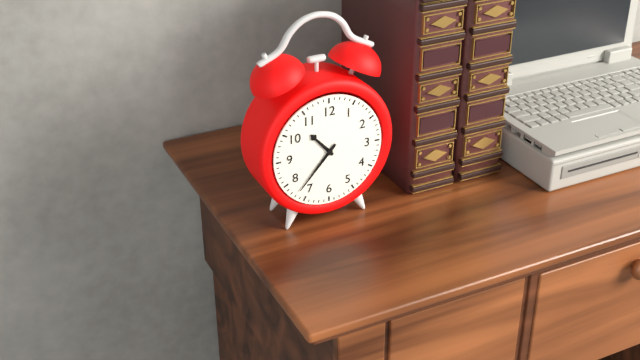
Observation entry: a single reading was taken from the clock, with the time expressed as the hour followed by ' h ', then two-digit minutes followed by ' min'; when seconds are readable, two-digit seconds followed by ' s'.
10 h 37 min
